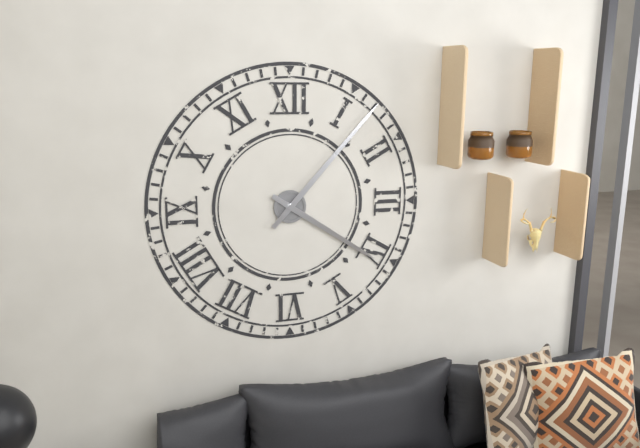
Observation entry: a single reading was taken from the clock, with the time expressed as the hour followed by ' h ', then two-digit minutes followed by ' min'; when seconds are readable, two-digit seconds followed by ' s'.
4 h 07 min
